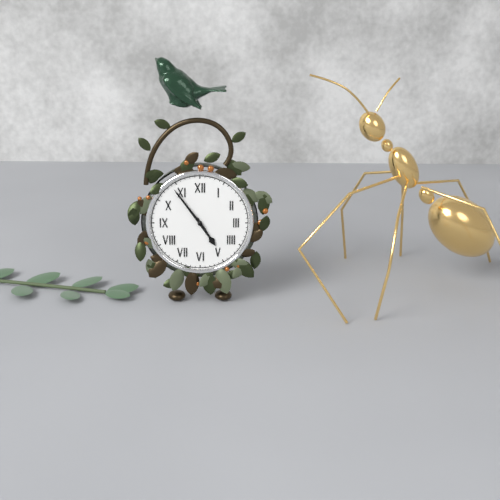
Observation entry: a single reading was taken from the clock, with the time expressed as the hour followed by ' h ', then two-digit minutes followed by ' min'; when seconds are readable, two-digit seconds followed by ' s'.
4 h 54 min
